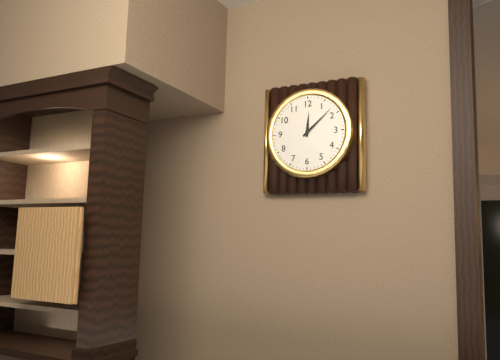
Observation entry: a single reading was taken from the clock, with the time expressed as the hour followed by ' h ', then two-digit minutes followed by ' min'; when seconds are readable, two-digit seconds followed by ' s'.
12 h 08 min
